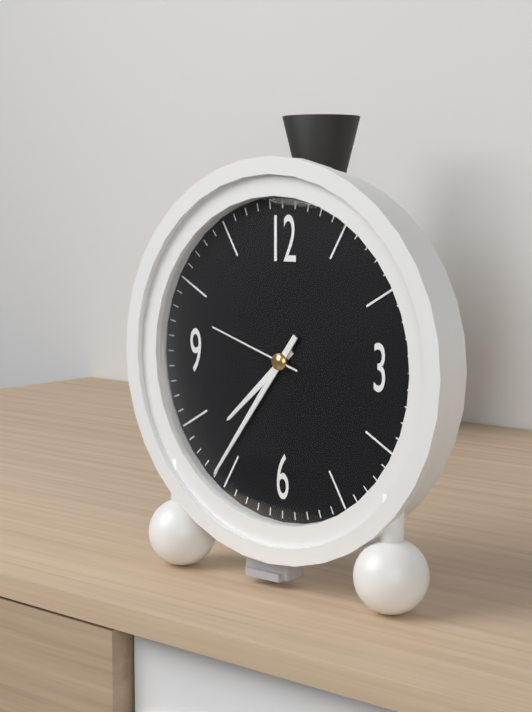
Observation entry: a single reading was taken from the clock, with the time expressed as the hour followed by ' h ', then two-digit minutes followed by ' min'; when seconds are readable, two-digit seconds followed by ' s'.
7 h 36 min 48 s
